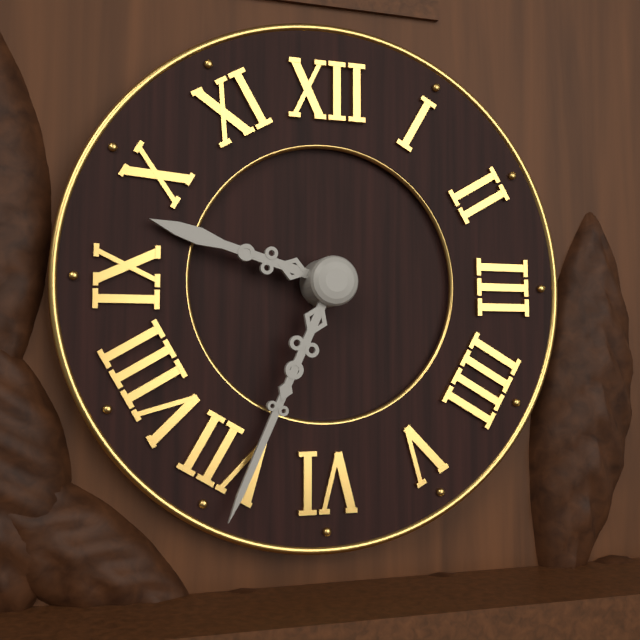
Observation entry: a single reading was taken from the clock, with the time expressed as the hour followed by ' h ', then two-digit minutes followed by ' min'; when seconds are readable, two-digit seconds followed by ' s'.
9 h 34 min
